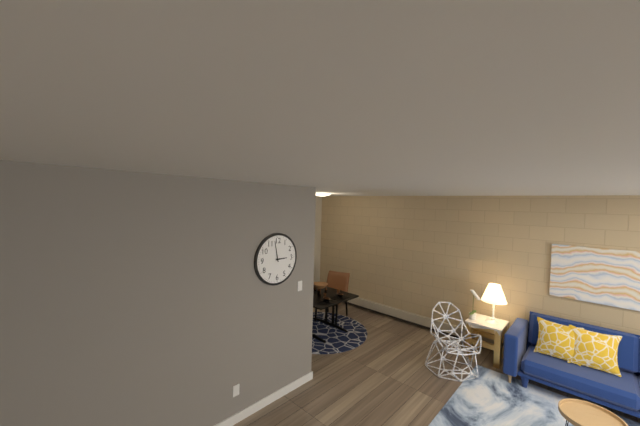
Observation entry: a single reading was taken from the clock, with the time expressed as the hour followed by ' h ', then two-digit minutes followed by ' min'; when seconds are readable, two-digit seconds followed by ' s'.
2 h 58 min
